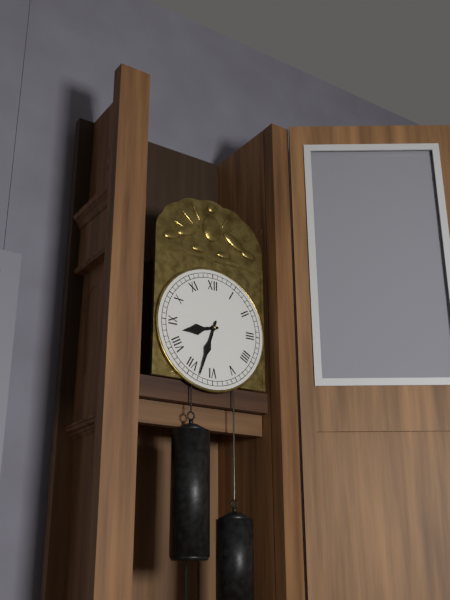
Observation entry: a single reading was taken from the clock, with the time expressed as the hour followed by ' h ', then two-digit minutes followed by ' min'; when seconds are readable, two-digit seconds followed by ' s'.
8 h 33 min
